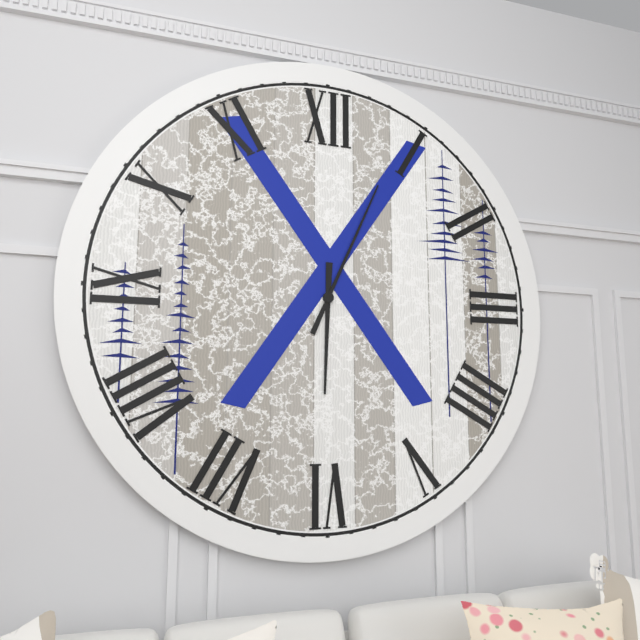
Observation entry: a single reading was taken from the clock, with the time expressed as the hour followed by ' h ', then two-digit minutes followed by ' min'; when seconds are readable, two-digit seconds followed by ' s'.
6 h 04 min
